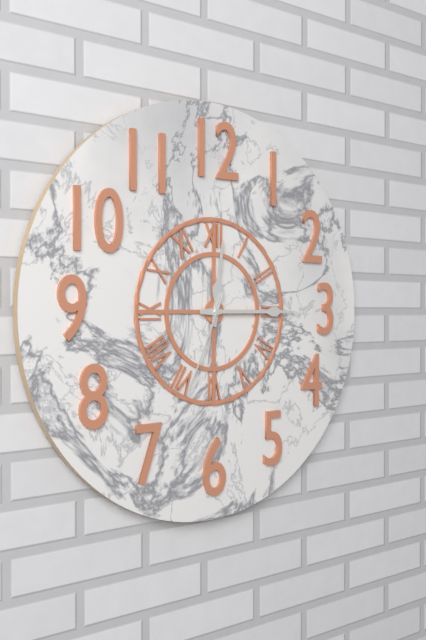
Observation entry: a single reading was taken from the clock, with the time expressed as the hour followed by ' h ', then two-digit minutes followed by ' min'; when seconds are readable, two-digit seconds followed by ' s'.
12 h 15 min 34 s
